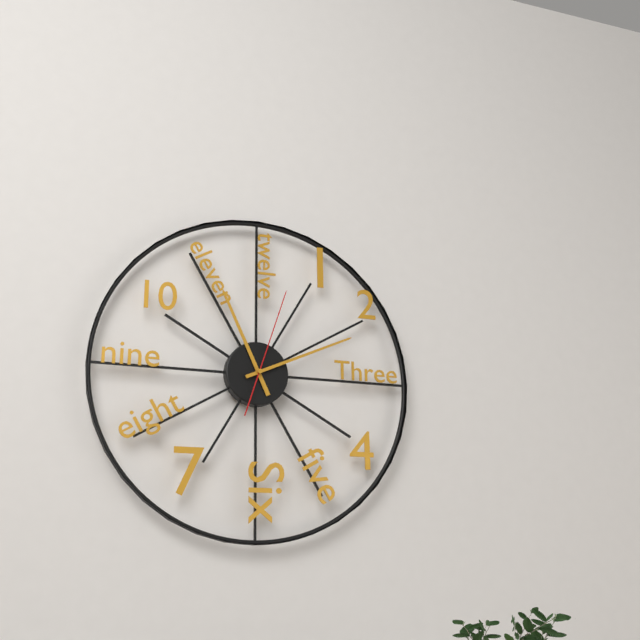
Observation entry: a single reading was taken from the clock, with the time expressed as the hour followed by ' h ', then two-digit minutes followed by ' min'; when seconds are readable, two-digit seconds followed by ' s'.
11 h 11 min 03 s
